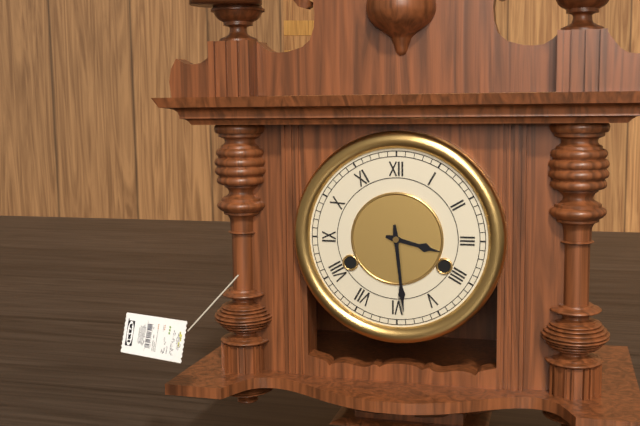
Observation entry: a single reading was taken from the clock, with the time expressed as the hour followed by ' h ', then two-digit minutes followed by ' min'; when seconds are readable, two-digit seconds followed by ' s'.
3 h 29 min
